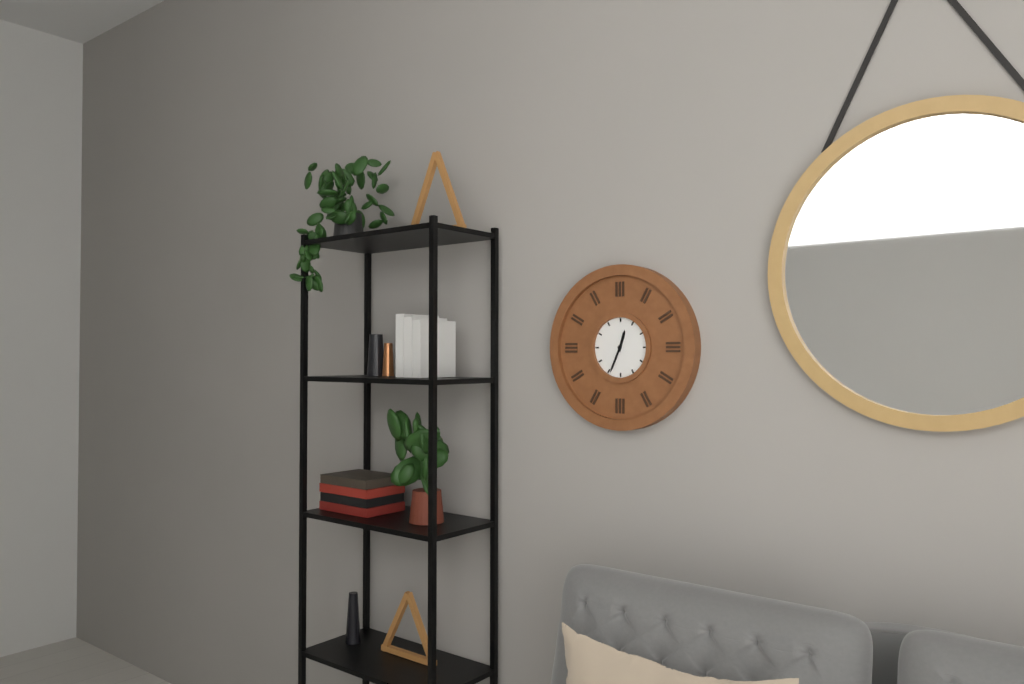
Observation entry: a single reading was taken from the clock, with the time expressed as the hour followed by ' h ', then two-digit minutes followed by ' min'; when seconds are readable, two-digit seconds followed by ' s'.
12 h 34 min
